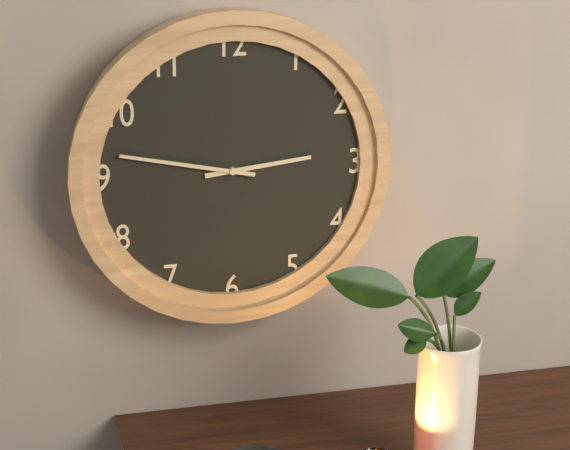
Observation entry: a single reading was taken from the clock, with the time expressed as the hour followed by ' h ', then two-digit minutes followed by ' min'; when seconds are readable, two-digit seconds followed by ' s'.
2 h 47 min
